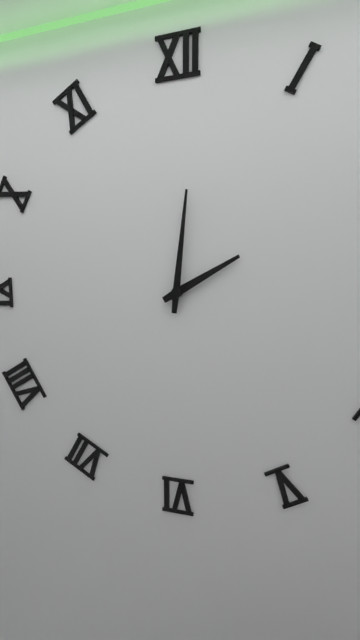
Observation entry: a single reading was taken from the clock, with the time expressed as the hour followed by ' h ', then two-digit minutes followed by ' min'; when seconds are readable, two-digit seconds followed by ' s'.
2 h 01 min
